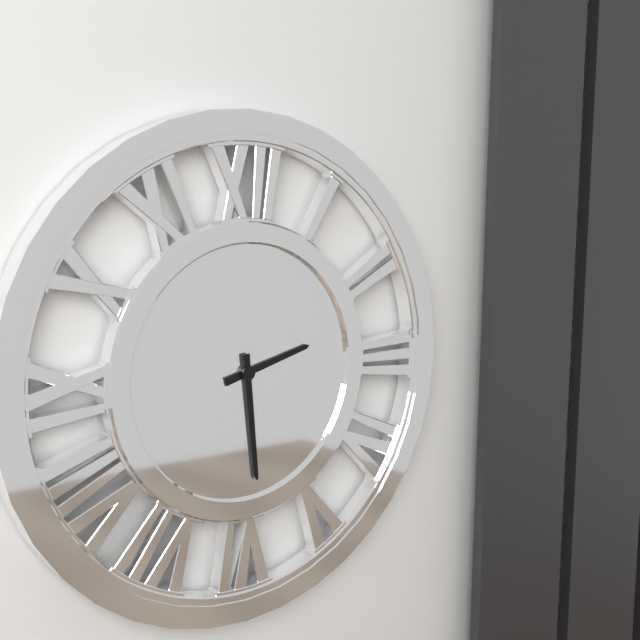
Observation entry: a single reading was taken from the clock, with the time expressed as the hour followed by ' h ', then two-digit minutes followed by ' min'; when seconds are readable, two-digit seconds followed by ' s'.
2 h 29 min
